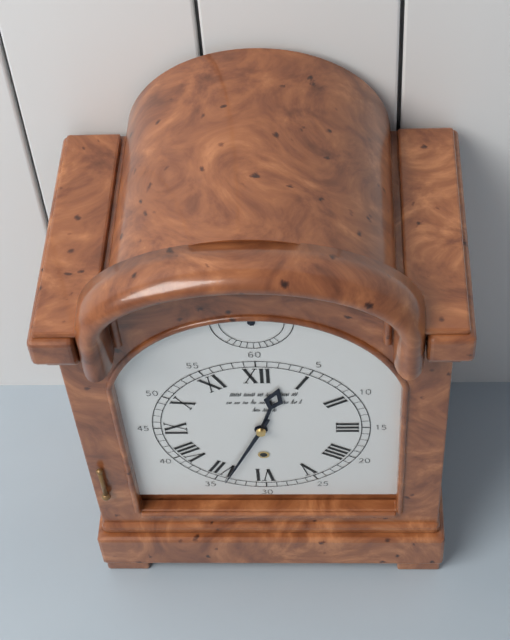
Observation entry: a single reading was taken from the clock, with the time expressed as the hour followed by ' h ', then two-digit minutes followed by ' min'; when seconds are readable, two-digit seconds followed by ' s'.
12 h 34 min
